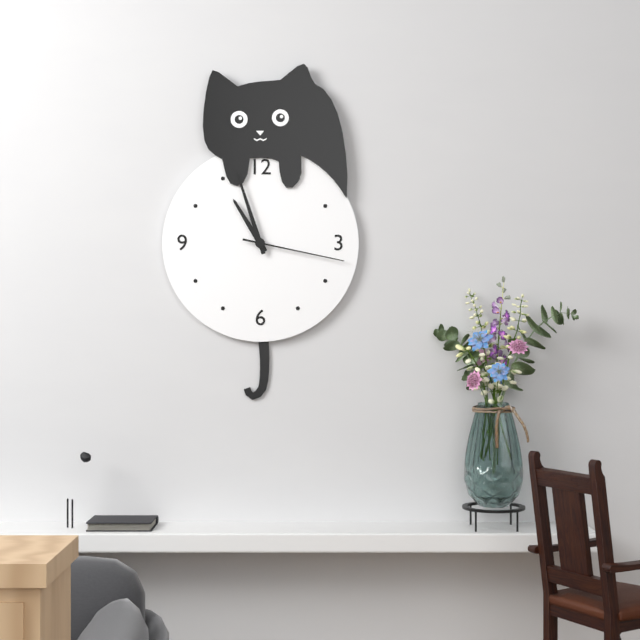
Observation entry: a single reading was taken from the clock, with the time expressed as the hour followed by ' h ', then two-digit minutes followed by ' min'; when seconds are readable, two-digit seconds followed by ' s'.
10 h 57 min 17 s
